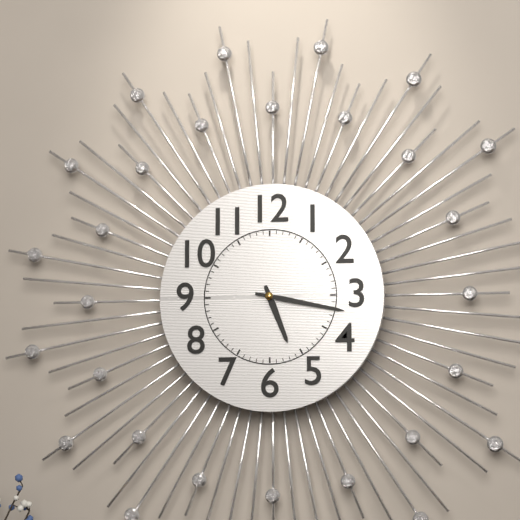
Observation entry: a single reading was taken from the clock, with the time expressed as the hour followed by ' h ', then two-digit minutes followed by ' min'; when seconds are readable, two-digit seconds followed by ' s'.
5 h 17 min
